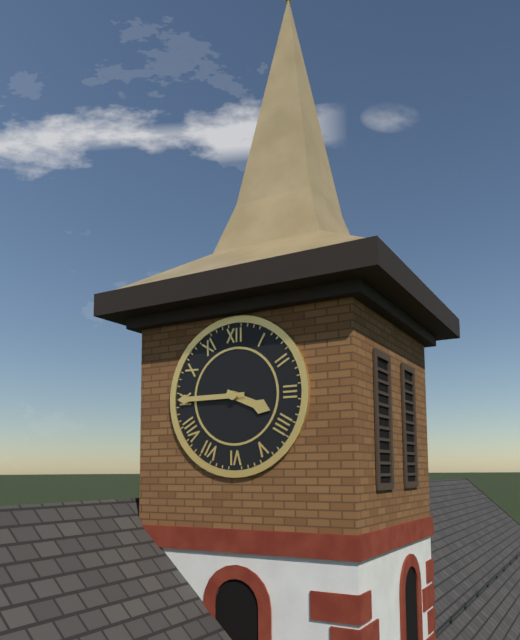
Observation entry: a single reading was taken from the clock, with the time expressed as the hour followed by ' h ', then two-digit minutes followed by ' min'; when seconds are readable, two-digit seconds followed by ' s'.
3 h 45 min
